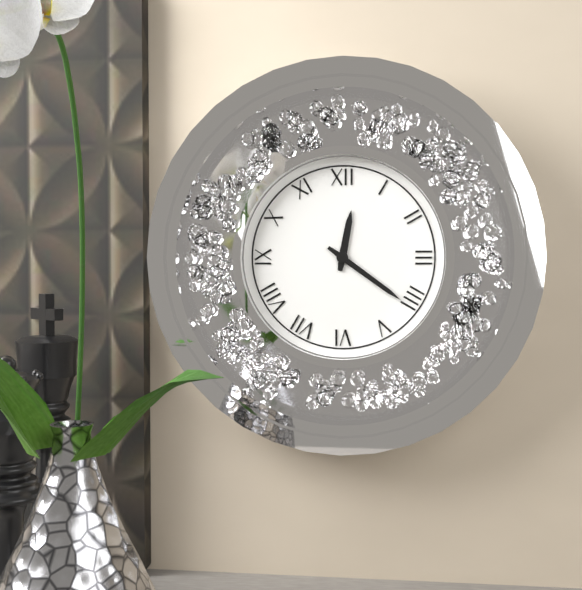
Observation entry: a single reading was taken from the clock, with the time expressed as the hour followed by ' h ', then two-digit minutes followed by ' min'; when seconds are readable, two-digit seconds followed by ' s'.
12 h 21 min
